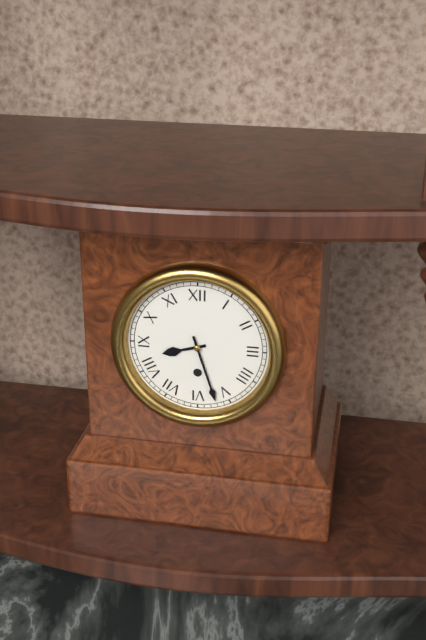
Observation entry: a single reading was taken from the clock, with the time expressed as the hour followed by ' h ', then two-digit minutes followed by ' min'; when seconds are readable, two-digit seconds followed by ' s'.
8 h 27 min
